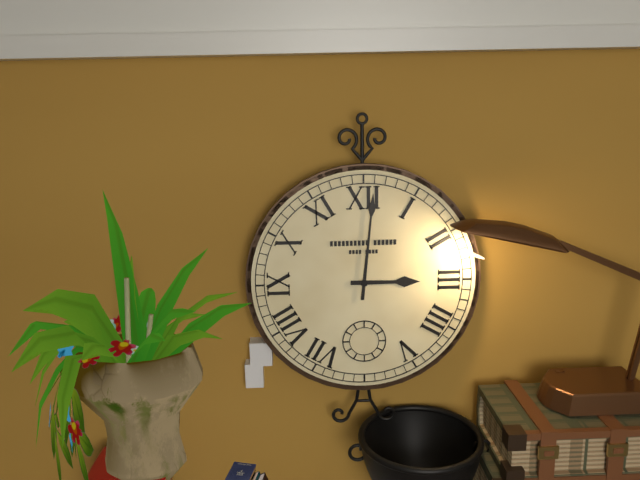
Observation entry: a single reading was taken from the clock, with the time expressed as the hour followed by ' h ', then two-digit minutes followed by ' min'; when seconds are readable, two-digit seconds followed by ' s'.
3 h 01 min
